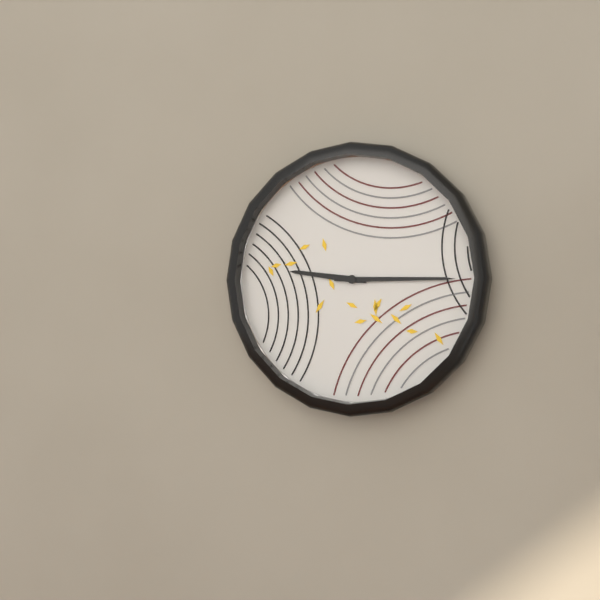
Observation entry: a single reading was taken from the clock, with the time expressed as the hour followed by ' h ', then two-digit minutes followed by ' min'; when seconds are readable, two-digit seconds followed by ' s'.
9 h 15 min
